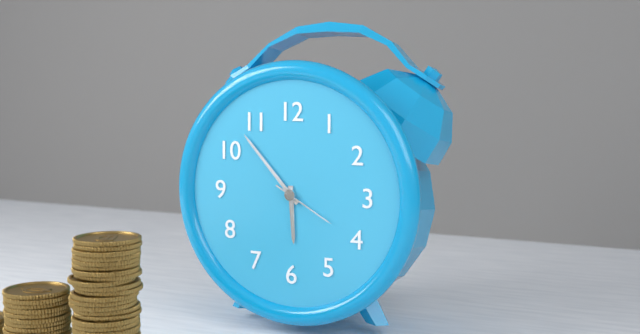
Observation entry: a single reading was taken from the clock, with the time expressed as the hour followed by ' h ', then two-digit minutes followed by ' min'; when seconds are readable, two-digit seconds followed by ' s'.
5 h 53 min 20 s
